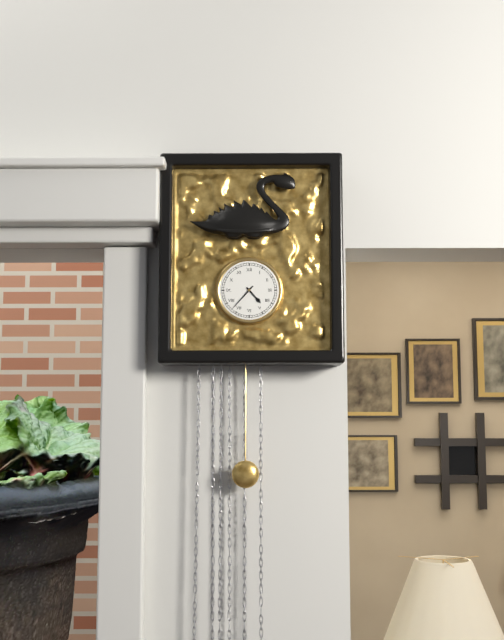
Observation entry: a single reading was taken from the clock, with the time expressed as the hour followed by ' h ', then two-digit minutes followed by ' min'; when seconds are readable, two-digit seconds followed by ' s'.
4 h 37 min
